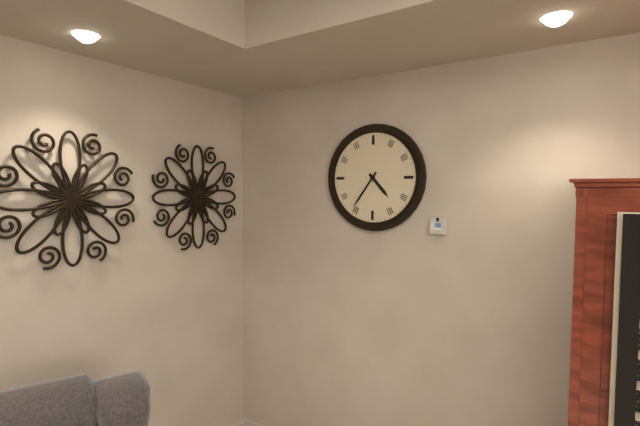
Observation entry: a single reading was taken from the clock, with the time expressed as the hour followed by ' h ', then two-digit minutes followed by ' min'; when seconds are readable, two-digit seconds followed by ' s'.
4 h 36 min
